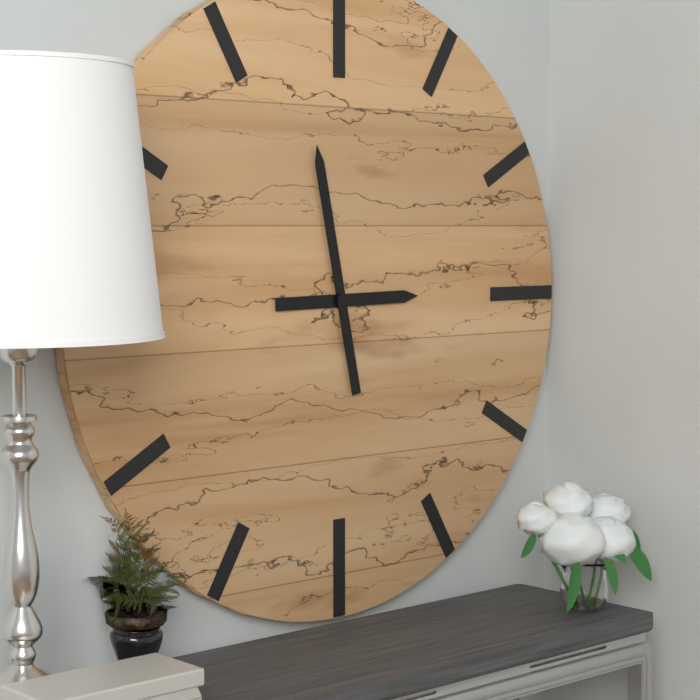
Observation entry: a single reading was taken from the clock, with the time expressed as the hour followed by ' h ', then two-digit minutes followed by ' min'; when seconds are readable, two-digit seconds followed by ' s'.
2 h 58 min
